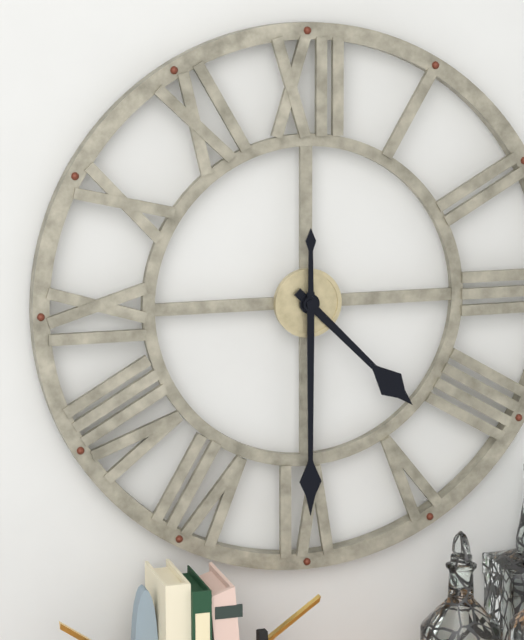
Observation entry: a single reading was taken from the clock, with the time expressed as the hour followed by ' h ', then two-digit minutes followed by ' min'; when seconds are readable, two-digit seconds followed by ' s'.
4 h 30 min
